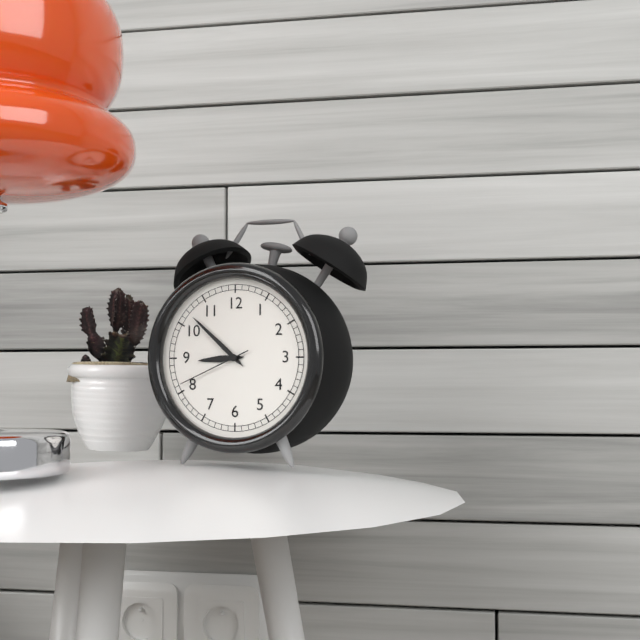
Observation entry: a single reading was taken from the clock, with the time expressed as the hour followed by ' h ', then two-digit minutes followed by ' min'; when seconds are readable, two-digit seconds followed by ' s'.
8 h 52 min 41 s
